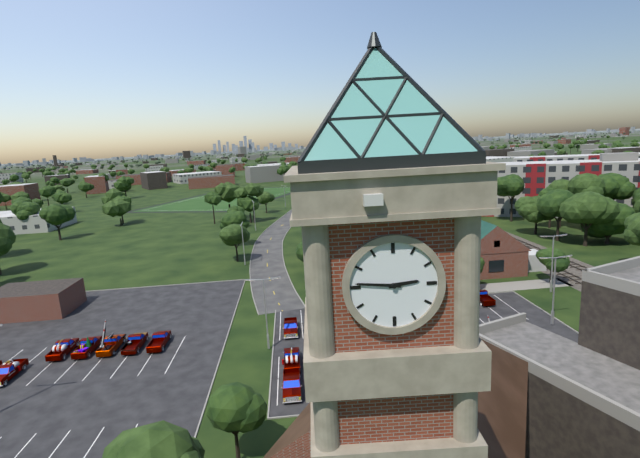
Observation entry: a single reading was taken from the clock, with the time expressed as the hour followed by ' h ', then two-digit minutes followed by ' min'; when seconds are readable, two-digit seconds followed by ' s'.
2 h 46 min
